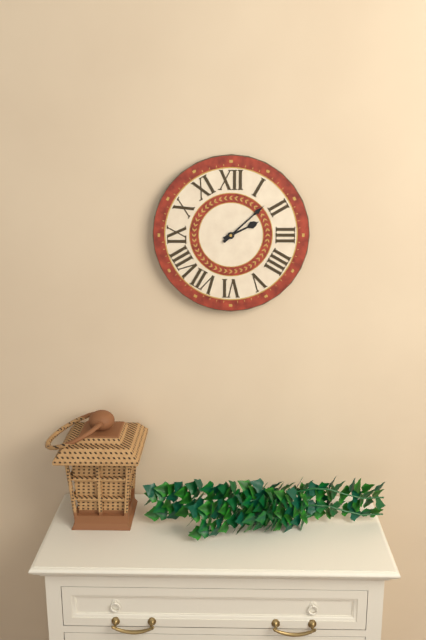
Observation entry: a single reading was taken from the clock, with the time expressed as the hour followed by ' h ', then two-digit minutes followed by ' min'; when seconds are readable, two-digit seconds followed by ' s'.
2 h 08 min
